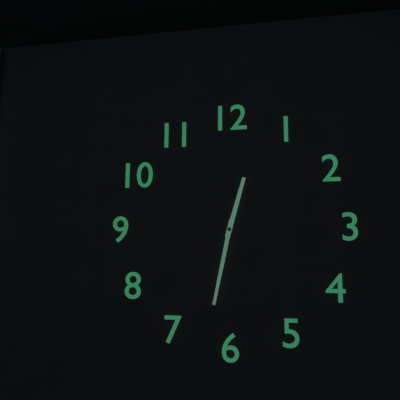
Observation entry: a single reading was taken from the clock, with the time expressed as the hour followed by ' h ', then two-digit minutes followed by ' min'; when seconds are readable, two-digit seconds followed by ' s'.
12 h 32 min
